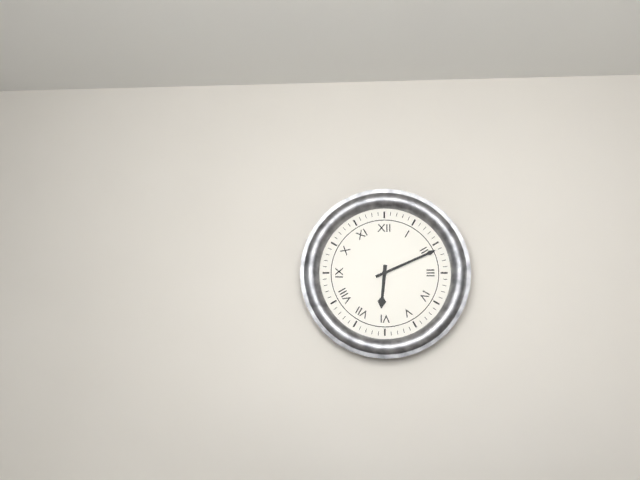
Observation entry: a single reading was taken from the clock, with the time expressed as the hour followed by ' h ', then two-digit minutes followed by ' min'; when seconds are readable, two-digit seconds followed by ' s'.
6 h 11 min
